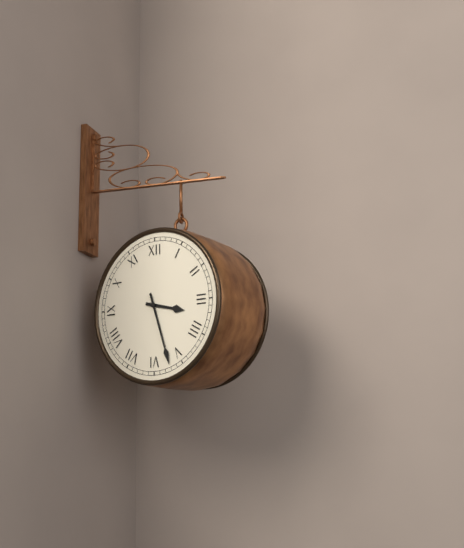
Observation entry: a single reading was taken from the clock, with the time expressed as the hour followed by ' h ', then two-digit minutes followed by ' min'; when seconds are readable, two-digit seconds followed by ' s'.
3 h 27 min
